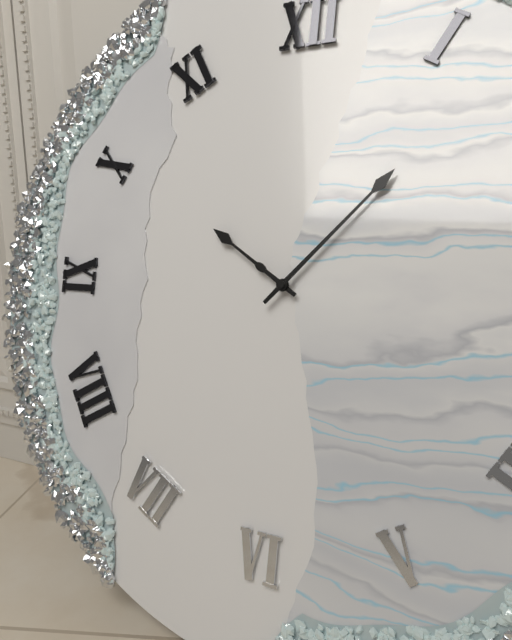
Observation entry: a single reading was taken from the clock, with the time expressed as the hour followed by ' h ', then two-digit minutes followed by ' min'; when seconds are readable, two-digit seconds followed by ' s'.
10 h 07 min
